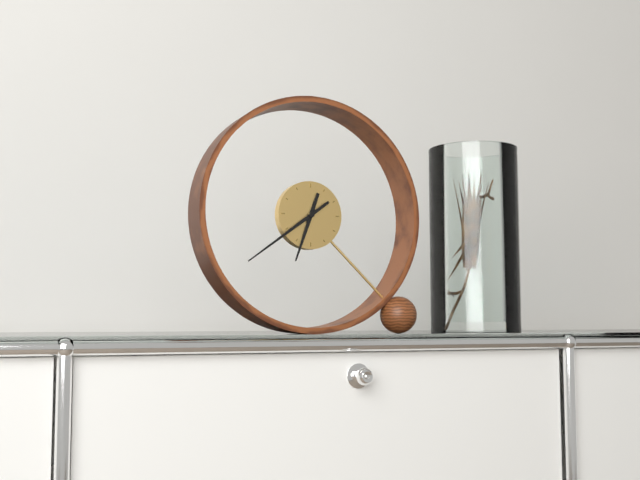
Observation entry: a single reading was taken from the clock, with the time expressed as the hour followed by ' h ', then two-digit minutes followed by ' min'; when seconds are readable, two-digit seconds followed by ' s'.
6 h 39 min
